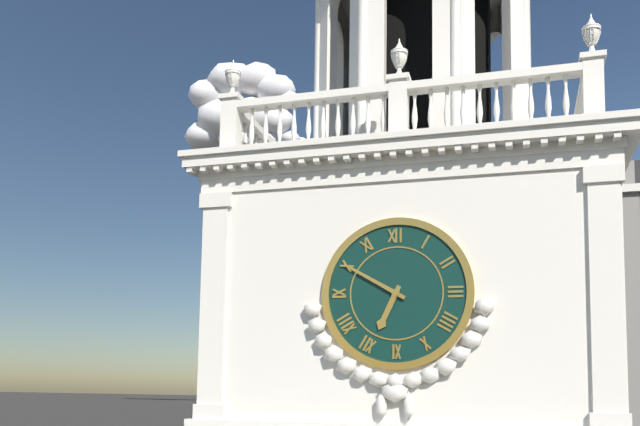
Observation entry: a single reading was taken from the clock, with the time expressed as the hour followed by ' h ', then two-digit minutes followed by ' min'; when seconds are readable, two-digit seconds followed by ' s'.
6 h 50 min
